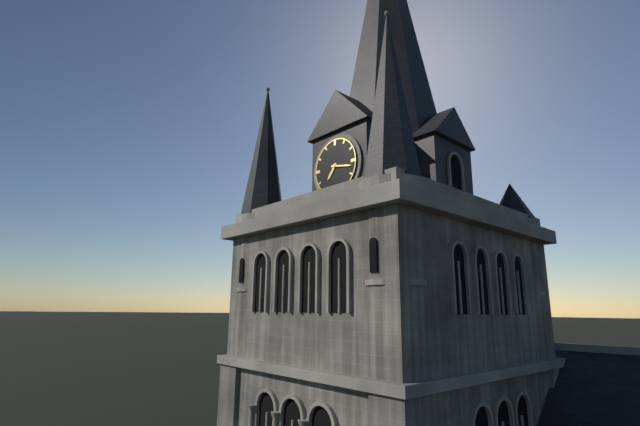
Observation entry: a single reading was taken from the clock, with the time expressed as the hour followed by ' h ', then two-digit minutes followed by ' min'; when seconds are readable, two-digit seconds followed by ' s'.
7 h 17 min
